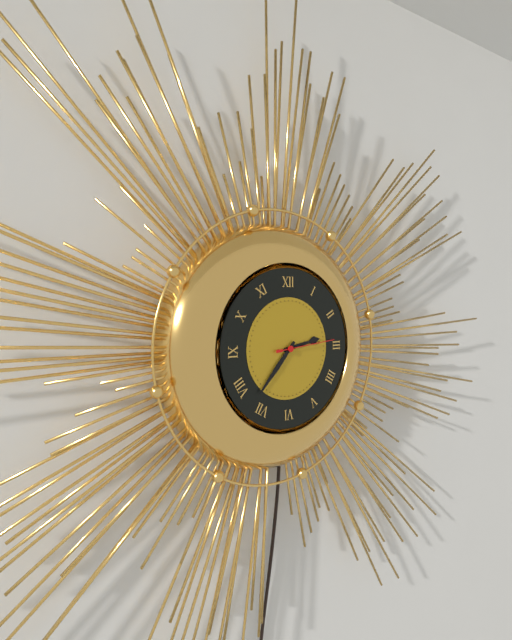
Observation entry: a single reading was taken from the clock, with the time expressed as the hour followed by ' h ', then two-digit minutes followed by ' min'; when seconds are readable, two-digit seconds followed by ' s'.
2 h 37 min 14 s
